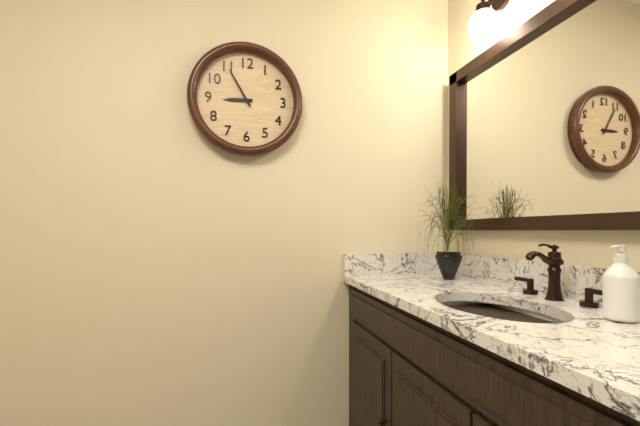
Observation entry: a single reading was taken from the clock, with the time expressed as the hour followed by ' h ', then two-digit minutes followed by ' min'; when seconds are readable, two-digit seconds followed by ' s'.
8 h 55 min
